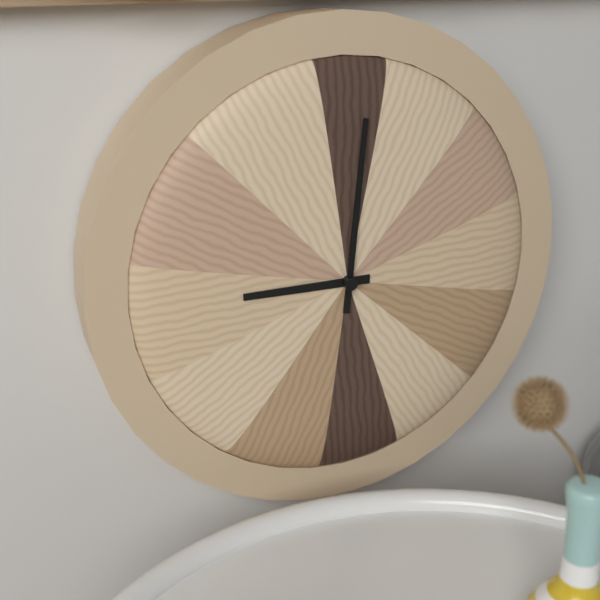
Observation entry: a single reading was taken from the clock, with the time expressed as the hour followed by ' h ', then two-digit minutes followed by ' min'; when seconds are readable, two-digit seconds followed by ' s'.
9 h 01 min
